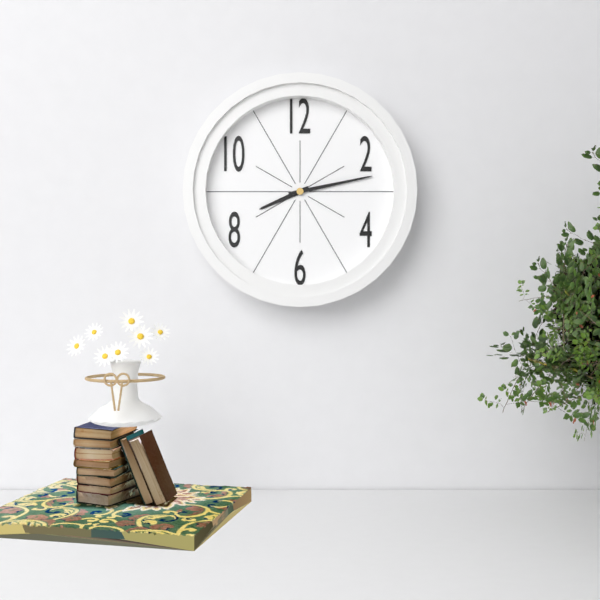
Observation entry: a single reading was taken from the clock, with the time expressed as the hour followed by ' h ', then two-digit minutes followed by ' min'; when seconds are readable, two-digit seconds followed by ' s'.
8 h 13 min
